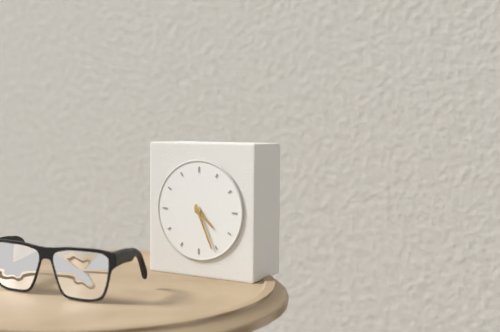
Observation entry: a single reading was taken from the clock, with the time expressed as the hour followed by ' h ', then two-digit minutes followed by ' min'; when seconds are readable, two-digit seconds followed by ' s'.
4 h 26 min
